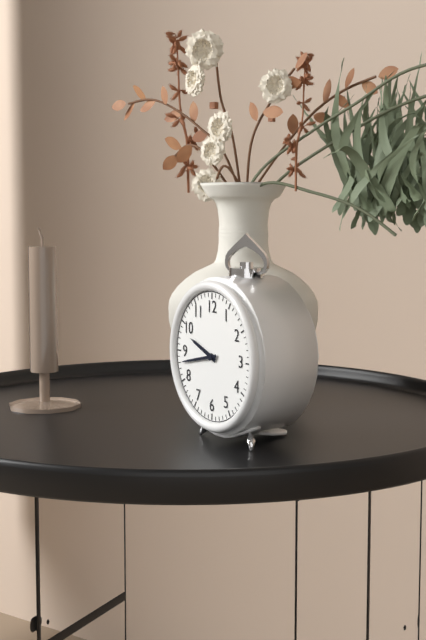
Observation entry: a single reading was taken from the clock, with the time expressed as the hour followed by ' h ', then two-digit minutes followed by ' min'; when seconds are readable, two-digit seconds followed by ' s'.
9 h 43 min
